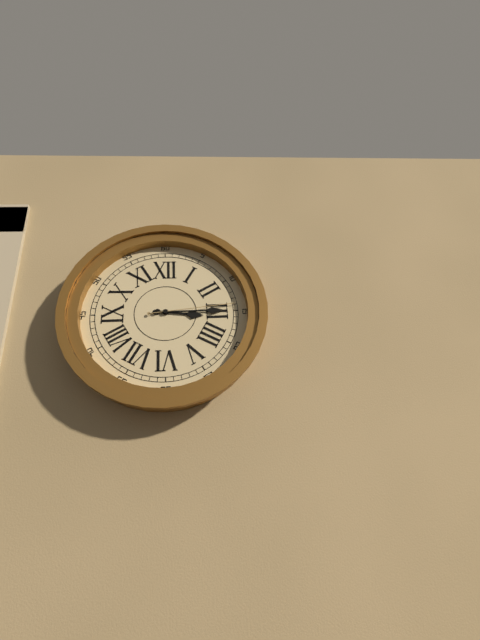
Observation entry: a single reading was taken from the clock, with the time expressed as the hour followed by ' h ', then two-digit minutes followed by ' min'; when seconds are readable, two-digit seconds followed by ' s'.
3 h 15 min 14 s
